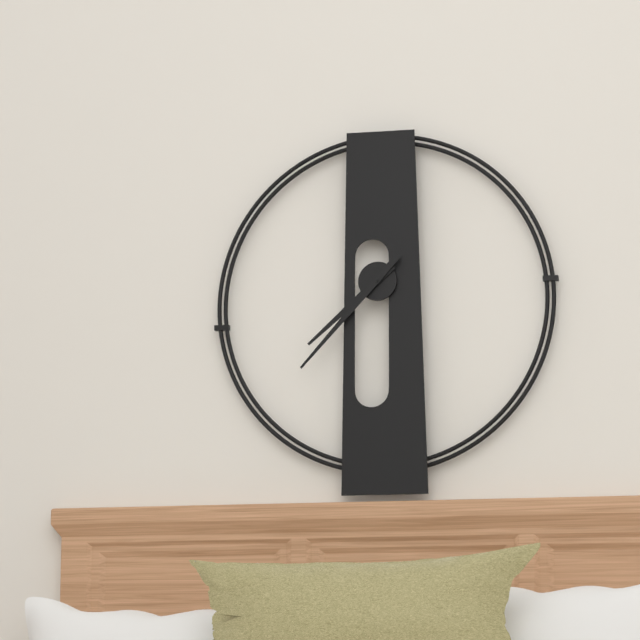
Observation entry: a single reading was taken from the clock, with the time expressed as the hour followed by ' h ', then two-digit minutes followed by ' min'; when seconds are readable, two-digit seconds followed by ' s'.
7 h 37 min
